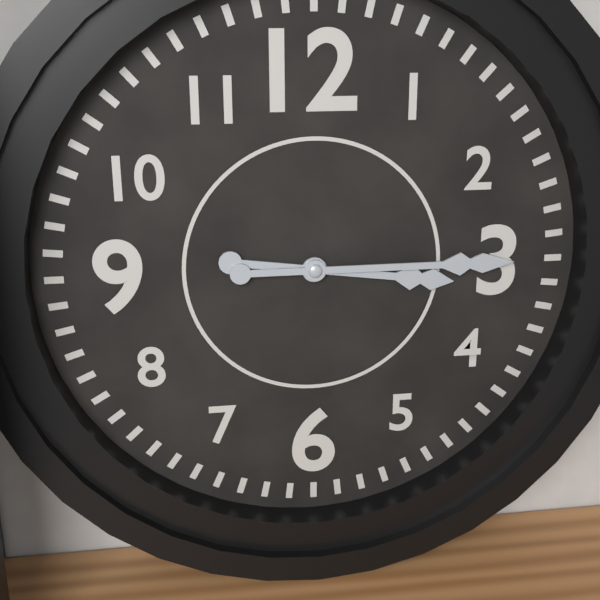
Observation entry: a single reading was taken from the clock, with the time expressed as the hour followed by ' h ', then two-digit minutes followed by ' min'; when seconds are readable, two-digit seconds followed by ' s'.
3 h 15 min
